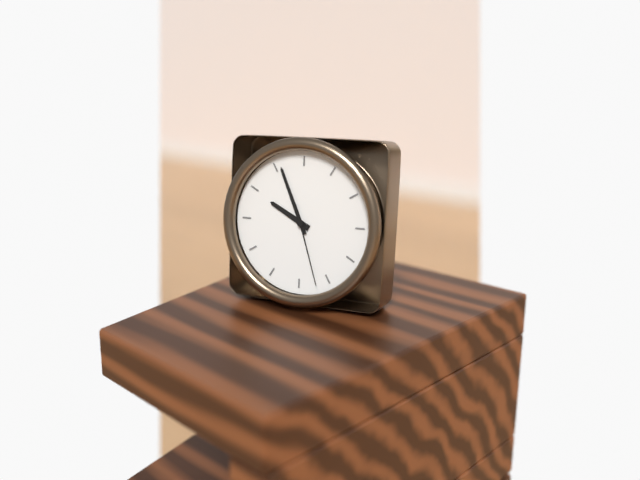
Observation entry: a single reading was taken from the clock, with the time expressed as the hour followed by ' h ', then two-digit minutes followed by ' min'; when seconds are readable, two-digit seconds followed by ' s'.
9 h 56 min 27 s
